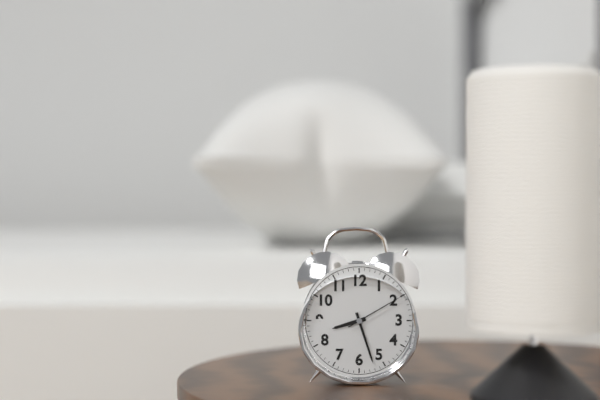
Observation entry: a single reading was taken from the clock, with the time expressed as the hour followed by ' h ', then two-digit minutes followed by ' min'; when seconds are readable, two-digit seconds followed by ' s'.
8 h 27 min 10 s
